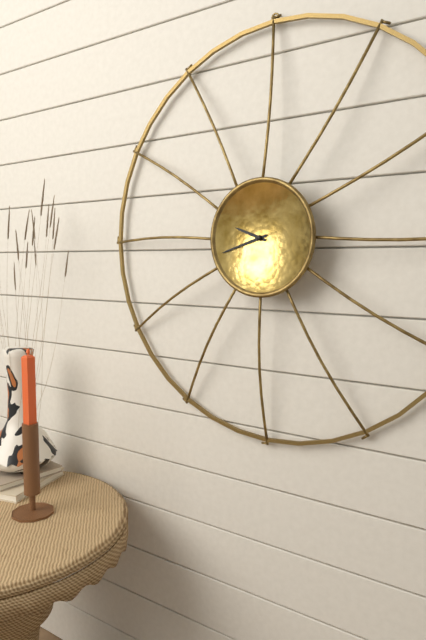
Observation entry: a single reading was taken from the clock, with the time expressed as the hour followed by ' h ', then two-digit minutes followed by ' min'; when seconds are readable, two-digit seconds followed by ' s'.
9 h 42 min
